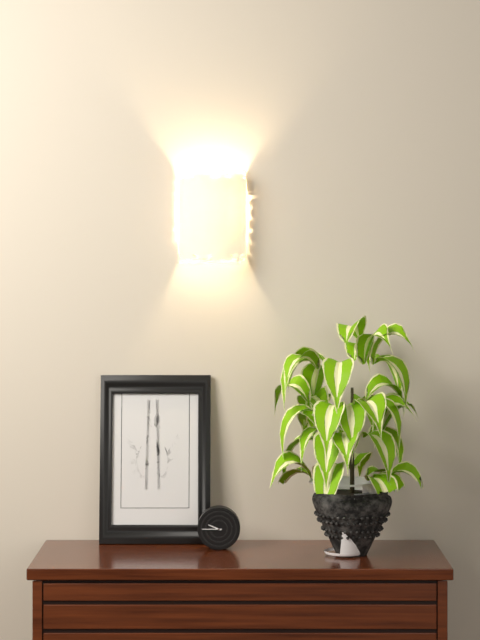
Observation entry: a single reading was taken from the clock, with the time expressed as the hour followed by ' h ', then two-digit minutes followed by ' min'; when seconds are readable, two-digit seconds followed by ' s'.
9 h 45 min
